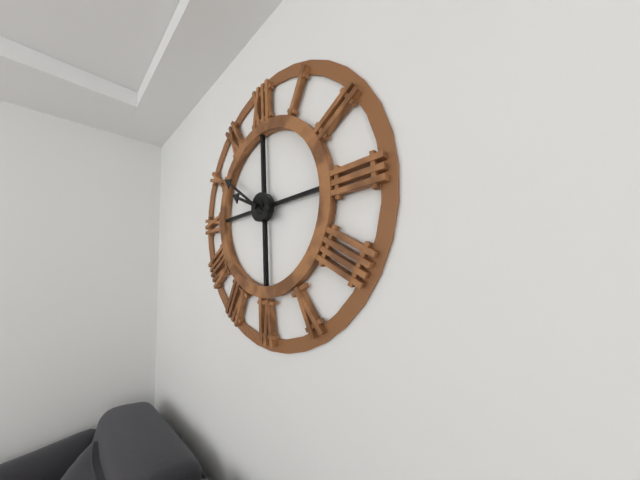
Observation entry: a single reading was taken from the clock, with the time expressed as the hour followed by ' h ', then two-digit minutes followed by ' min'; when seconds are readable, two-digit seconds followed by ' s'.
9 h 51 min
